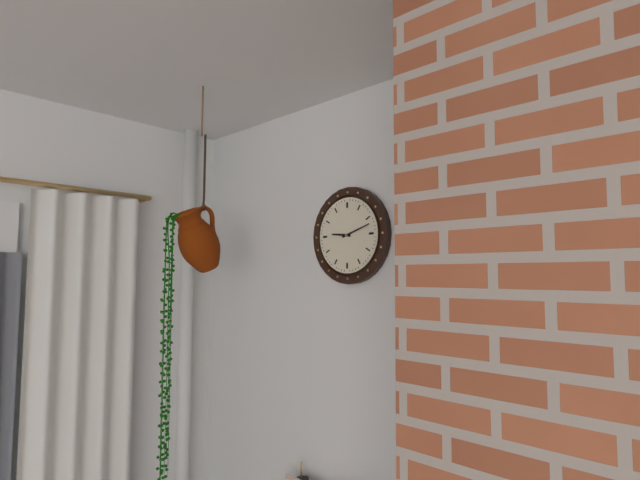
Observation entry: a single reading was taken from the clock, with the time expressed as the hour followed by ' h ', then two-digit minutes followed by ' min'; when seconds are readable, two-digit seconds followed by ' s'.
9 h 12 min
